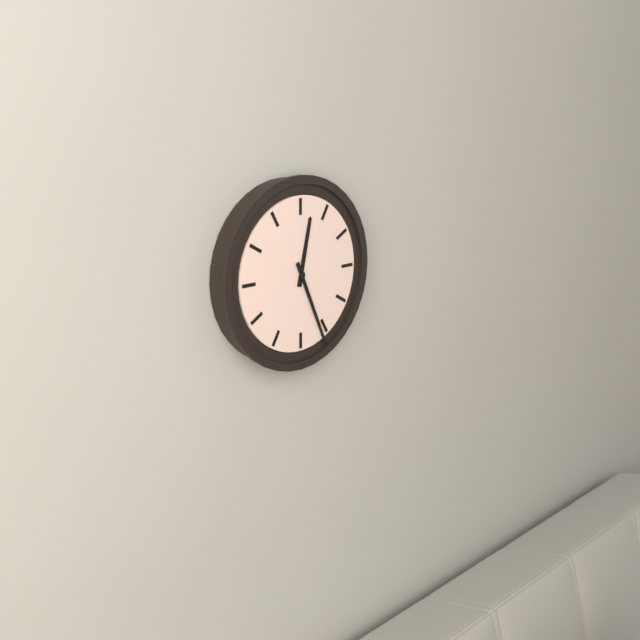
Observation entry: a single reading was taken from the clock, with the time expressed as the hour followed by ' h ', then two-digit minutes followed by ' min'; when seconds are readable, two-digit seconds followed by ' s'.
12 h 26 min
